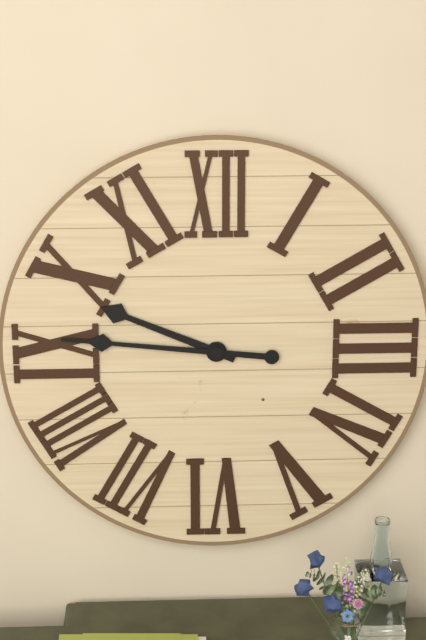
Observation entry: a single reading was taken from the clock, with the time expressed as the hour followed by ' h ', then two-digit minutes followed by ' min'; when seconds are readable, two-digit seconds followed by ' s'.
9 h 46 min
